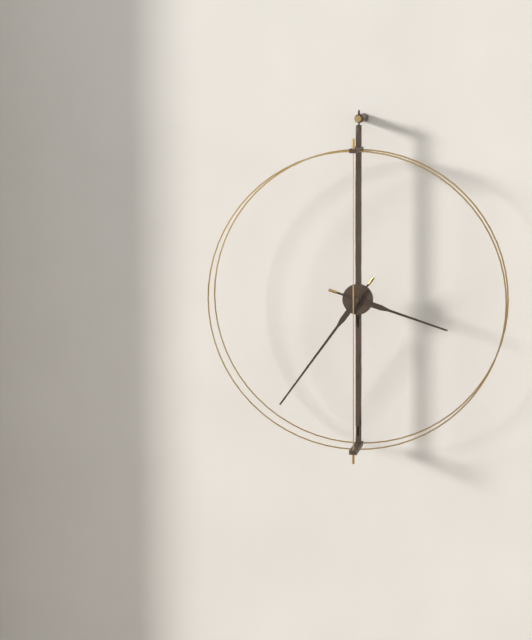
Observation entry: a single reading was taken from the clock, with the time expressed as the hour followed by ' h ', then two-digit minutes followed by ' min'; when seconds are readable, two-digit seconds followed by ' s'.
3 h 36 min
